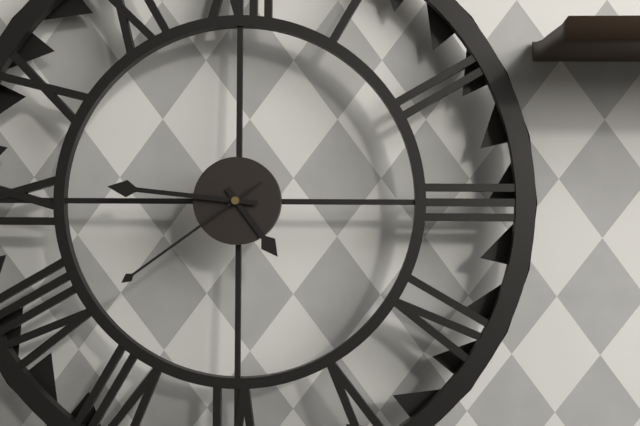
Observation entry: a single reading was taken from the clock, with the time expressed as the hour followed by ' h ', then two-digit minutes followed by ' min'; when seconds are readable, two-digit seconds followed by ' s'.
4 h 46 min 39 s
